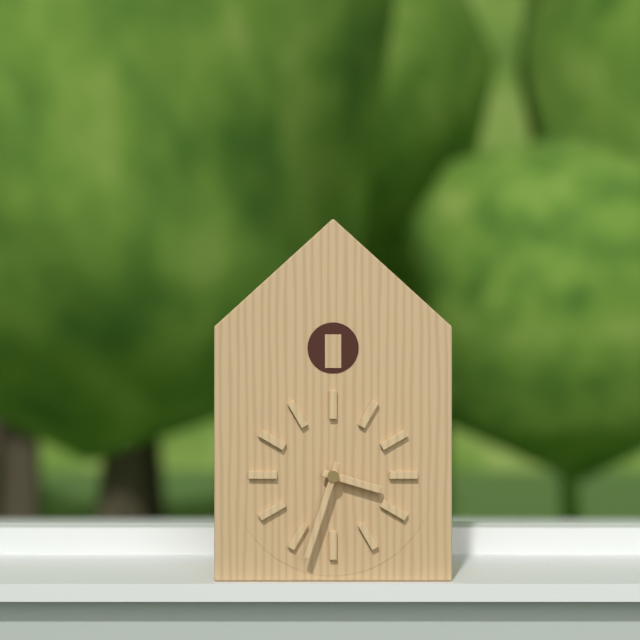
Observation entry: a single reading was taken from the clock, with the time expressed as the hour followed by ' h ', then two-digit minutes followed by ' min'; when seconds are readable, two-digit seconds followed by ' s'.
3 h 33 min
